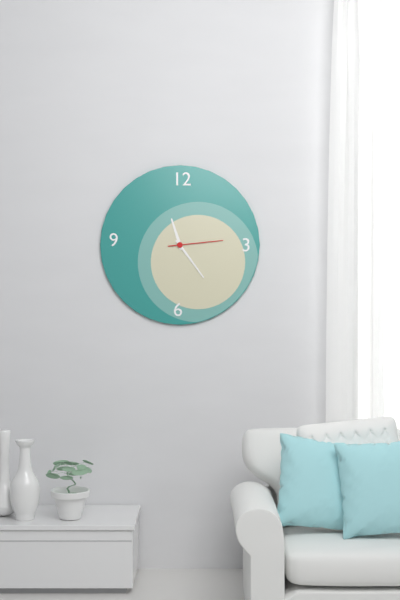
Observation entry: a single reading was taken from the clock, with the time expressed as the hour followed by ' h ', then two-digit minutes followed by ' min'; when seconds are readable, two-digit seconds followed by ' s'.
11 h 24 min 14 s
